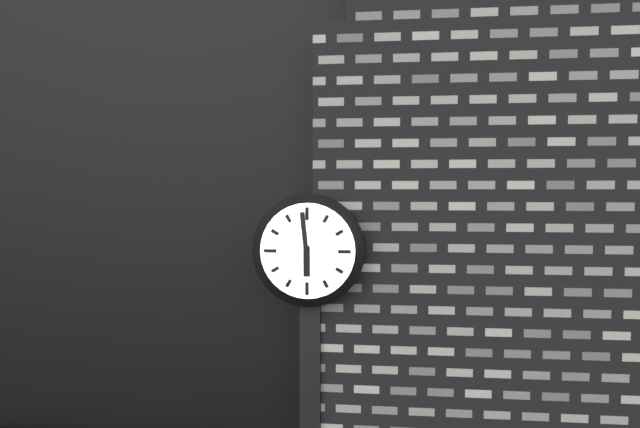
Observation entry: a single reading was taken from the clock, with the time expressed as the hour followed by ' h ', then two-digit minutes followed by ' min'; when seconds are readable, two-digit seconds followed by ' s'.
5 h 59 min
